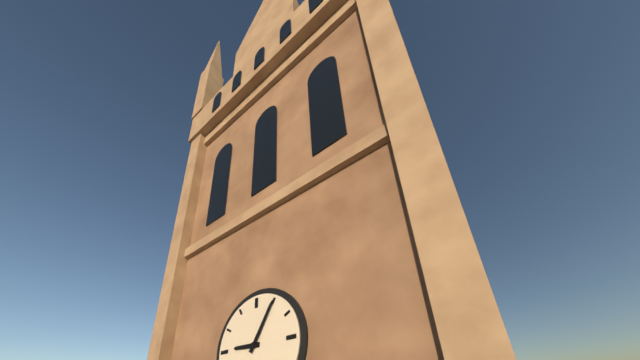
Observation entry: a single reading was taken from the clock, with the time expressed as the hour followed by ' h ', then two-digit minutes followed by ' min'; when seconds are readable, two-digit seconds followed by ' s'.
9 h 05 min
